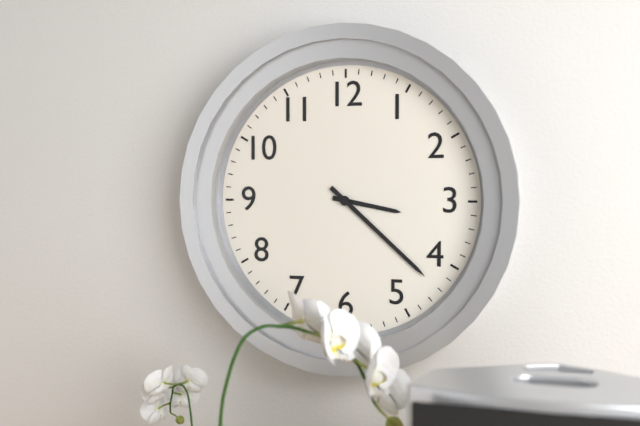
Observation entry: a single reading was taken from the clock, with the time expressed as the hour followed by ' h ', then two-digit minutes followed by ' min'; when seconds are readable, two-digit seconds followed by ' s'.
3 h 22 min
